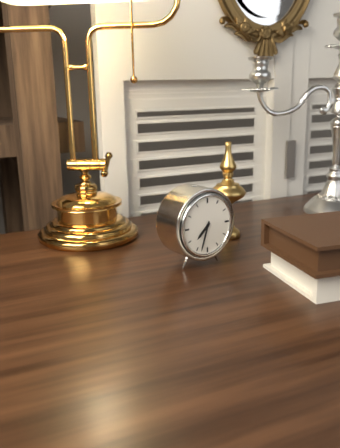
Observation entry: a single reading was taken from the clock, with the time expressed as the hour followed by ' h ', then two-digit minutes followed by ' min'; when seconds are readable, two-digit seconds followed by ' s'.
7 h 33 min
